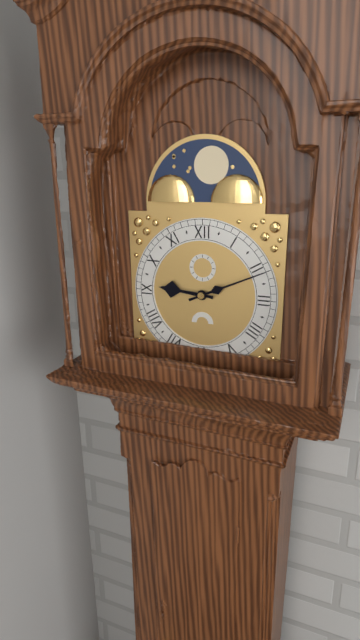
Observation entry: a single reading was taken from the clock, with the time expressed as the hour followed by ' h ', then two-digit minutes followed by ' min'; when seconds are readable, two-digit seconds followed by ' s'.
9 h 11 min
